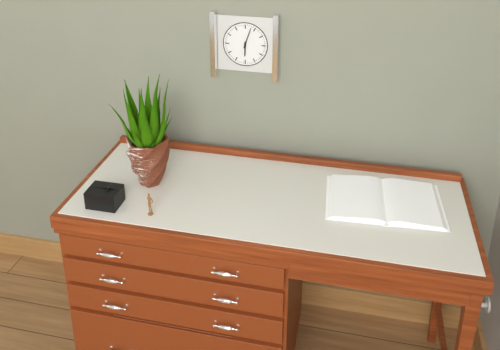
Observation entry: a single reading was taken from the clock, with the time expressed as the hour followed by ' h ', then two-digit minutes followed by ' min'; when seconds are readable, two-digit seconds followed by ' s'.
6 h 03 min
